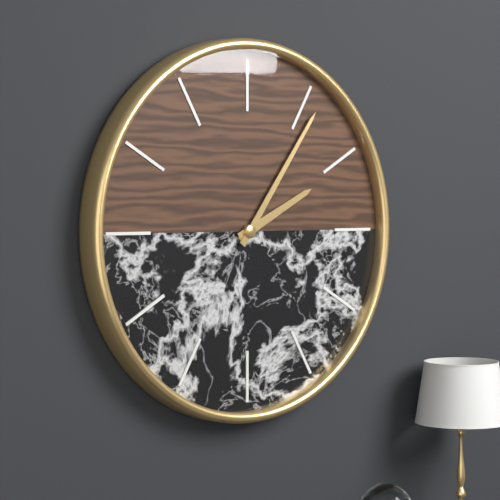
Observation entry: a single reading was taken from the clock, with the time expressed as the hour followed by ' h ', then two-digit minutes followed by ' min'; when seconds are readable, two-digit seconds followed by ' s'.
2 h 06 min
